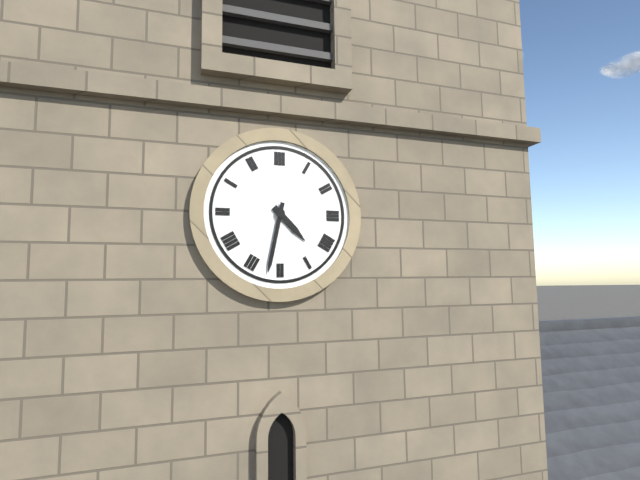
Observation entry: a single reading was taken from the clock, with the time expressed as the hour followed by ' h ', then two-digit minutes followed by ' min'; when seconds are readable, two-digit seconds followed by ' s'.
4 h 32 min
